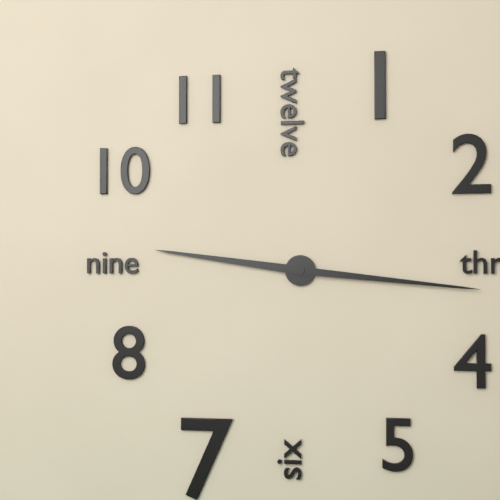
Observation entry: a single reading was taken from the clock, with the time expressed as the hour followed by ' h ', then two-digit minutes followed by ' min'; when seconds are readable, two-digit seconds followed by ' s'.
9 h 16 min
